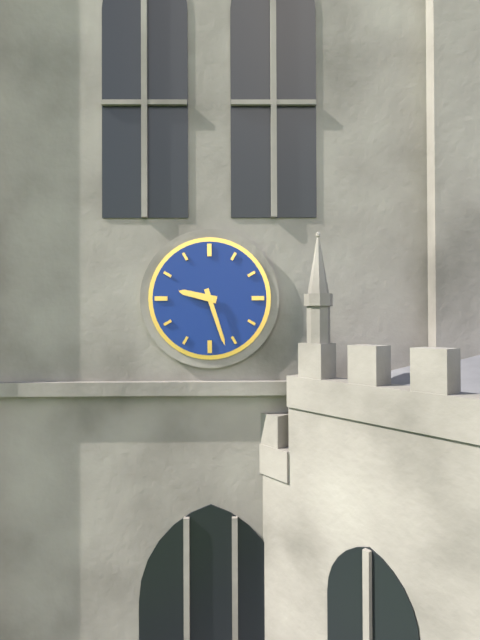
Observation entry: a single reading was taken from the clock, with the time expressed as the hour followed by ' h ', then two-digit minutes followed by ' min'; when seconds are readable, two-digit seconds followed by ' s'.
9 h 27 min
